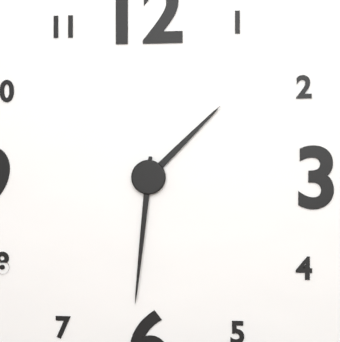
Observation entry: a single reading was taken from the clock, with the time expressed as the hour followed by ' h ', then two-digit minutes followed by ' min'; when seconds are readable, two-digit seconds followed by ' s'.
1 h 31 min
